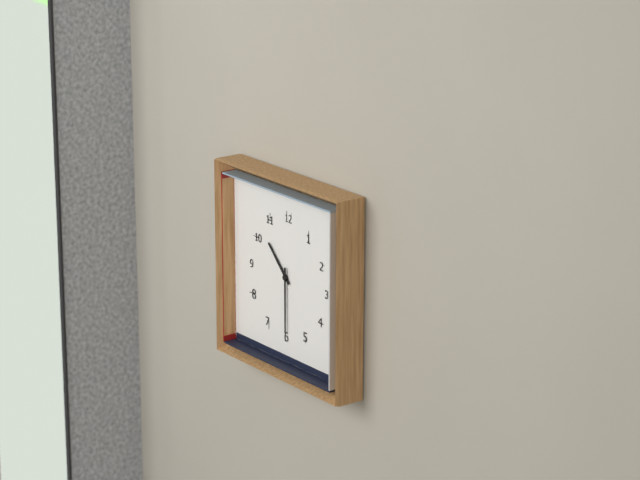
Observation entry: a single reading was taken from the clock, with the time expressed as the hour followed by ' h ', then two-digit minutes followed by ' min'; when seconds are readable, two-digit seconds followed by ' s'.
10 h 30 min
